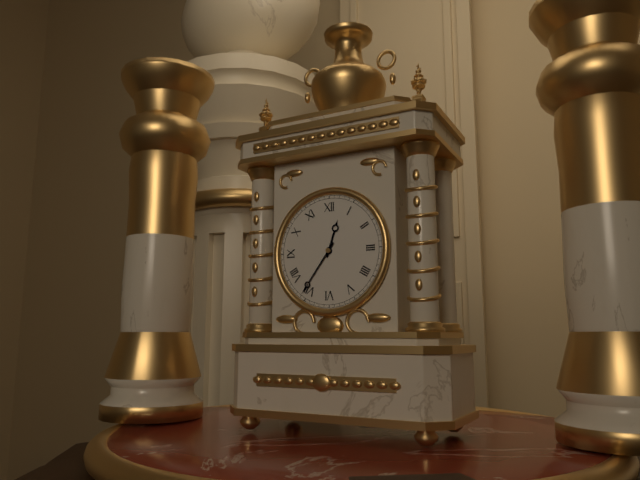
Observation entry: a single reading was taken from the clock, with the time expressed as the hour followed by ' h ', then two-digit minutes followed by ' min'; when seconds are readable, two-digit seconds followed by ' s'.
12 h 36 min
